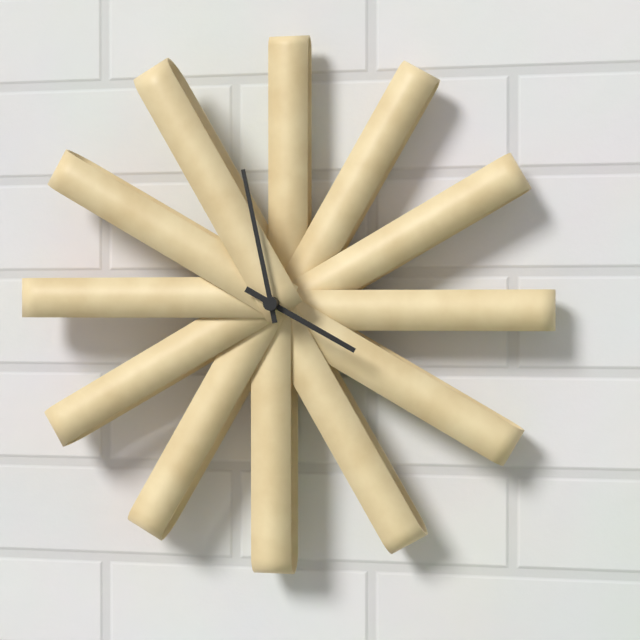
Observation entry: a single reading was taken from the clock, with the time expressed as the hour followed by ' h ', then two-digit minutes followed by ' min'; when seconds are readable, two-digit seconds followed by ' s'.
3 h 58 min
